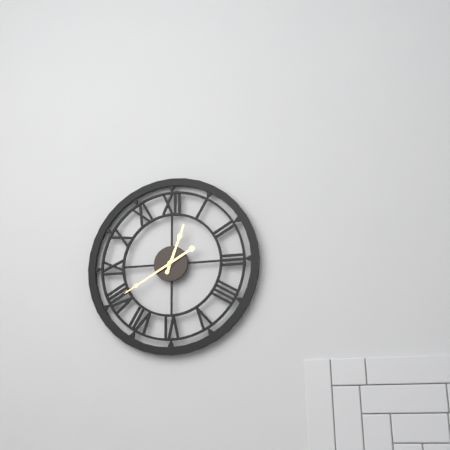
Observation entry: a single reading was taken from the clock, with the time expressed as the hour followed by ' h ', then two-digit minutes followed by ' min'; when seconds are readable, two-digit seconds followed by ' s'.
12 h 40 min
